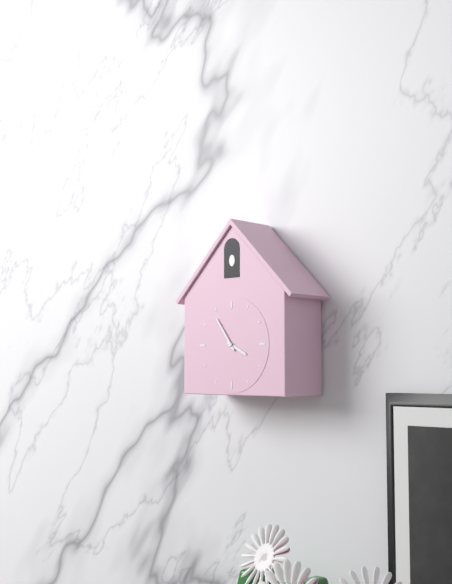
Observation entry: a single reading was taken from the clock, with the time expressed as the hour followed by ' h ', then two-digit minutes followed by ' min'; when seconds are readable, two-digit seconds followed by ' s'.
3 h 54 min
